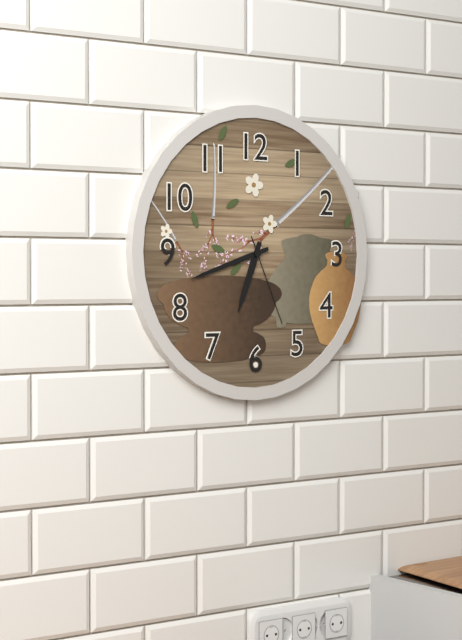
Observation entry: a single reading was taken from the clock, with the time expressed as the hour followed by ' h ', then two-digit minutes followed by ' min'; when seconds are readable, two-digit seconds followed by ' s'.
6 h 42 min 26 s
